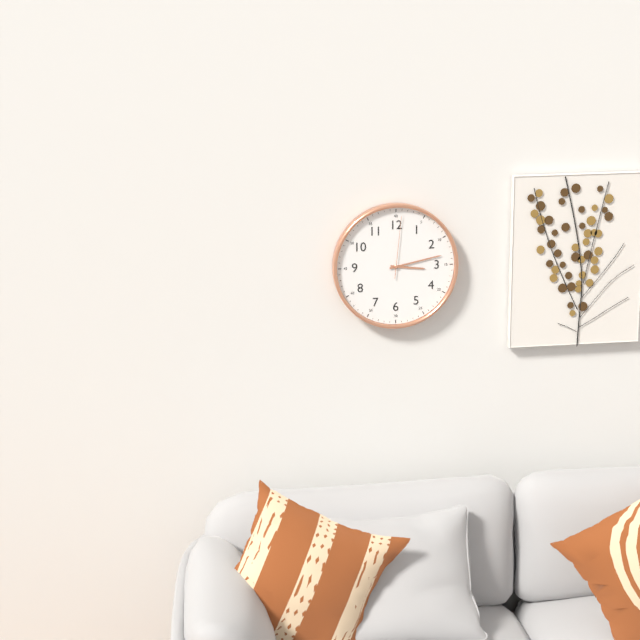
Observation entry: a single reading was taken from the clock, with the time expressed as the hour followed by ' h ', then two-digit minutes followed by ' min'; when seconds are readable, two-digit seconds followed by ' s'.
3 h 13 min 01 s
